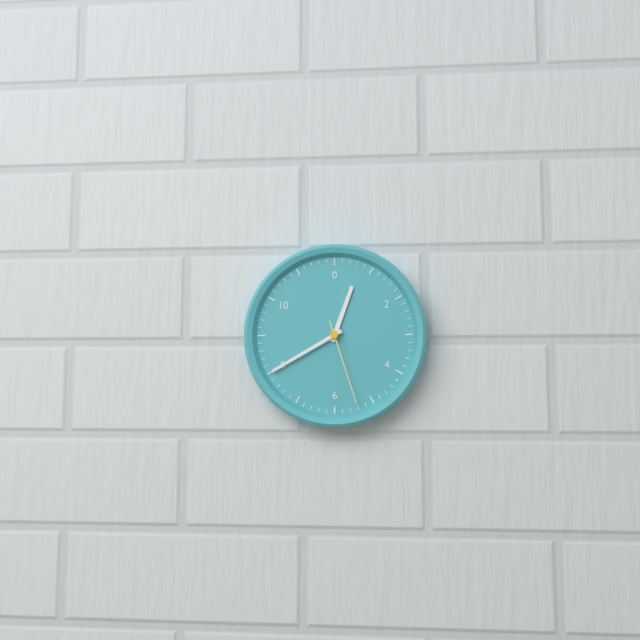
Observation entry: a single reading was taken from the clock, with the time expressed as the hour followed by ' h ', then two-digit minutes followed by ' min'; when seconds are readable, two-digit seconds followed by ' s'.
12 h 40 min 27 s
